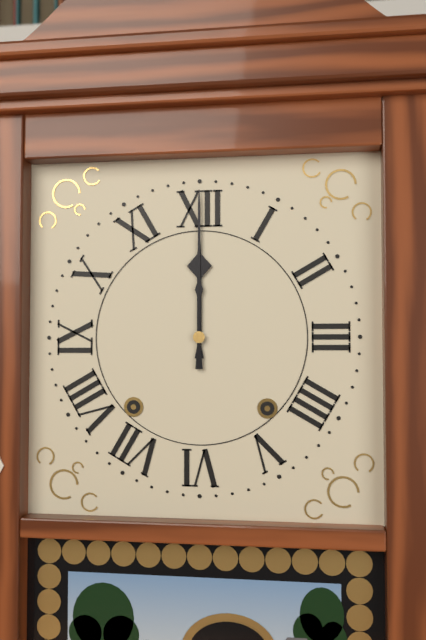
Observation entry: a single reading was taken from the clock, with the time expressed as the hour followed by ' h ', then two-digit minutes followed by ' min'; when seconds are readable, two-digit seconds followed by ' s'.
12 h 00 min
